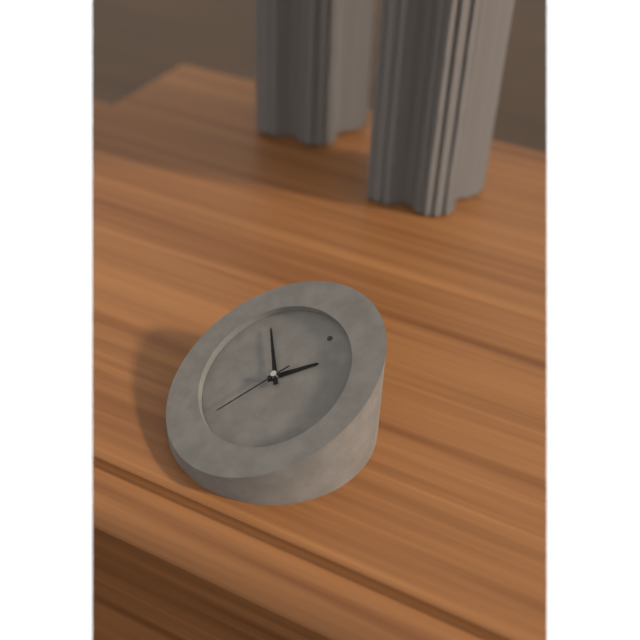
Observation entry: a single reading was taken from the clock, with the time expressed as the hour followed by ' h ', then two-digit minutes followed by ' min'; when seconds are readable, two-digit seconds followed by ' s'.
12 h 49 min 31 s
